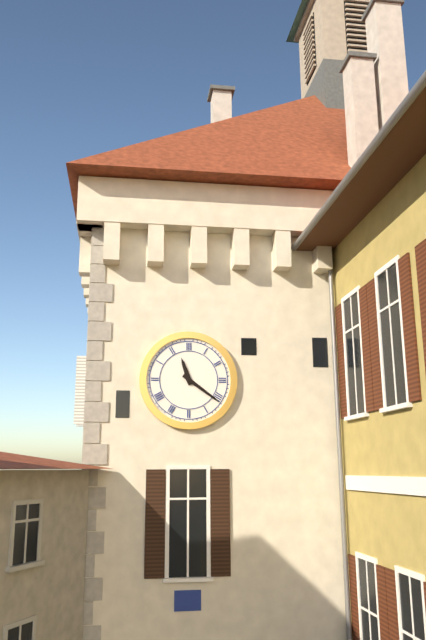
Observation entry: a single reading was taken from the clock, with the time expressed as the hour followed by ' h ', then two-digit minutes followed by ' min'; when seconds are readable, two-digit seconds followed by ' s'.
11 h 21 min
